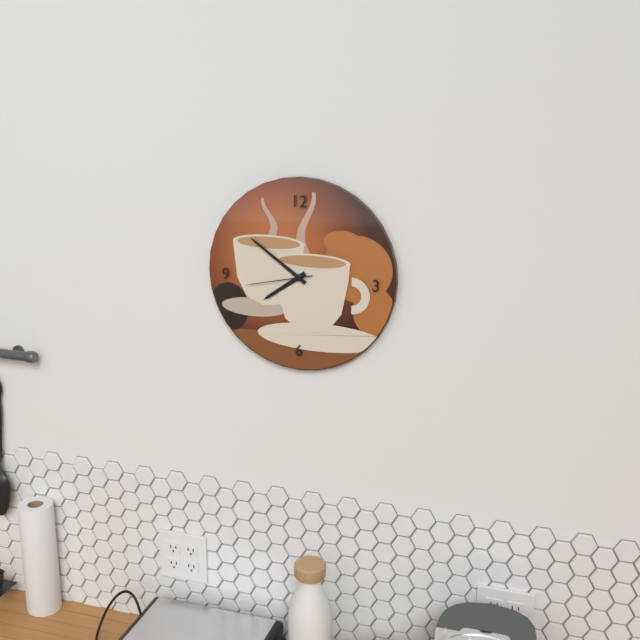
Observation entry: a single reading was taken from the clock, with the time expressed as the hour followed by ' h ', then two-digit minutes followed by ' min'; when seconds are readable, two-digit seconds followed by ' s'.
7 h 51 min 43 s
